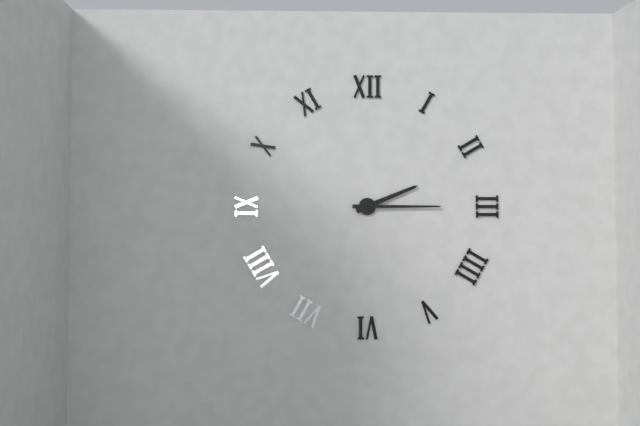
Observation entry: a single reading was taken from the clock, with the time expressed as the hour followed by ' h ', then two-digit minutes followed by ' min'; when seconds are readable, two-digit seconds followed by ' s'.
2 h 15 min
